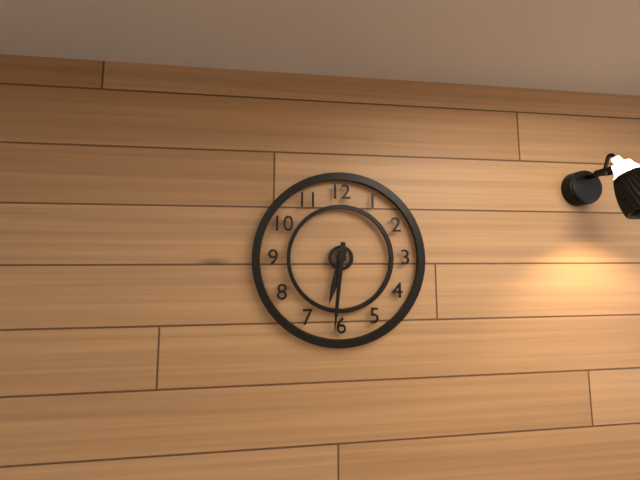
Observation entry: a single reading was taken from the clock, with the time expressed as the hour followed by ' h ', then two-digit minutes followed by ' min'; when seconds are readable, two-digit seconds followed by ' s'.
6 h 31 min
